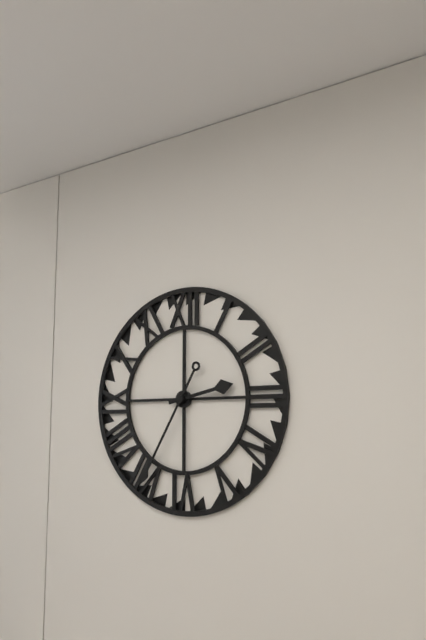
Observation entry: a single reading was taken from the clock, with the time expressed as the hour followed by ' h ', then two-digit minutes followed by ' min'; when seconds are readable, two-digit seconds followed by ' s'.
2 h 35 min
